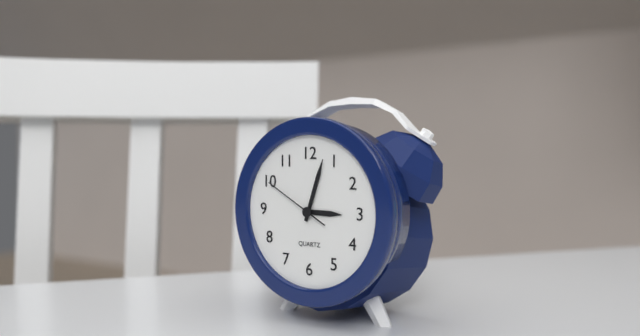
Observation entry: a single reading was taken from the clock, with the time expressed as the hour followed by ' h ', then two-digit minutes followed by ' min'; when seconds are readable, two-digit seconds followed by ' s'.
3 h 03 min 50 s
